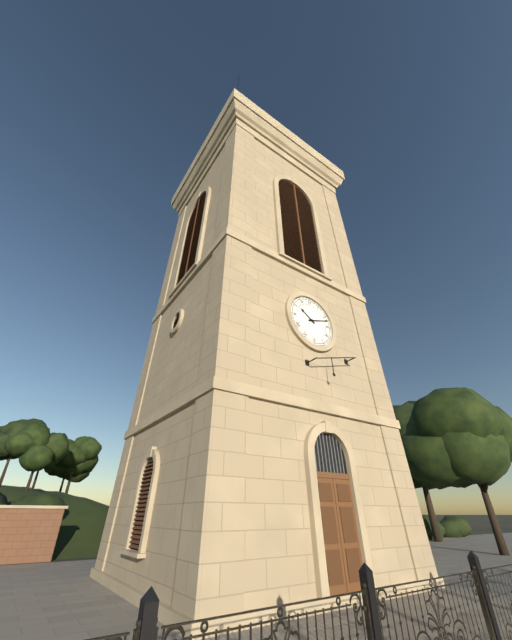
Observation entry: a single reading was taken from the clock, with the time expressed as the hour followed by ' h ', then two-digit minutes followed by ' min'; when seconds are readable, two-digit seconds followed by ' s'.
10 h 12 min
